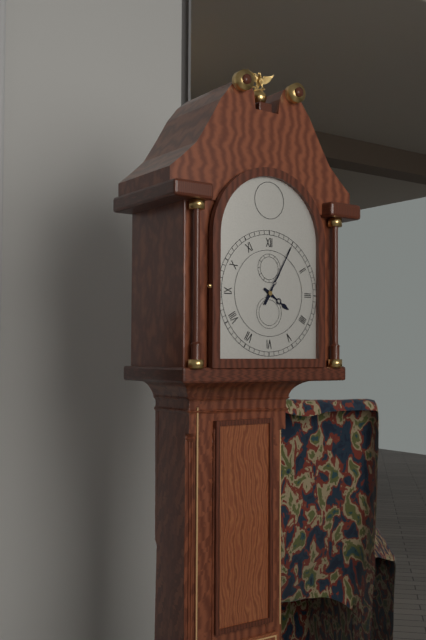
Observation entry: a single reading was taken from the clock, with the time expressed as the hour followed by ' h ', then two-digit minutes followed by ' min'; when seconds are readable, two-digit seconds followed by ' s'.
4 h 05 min
